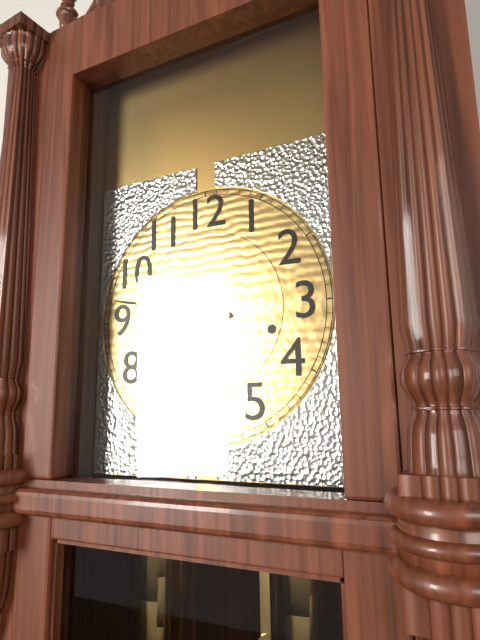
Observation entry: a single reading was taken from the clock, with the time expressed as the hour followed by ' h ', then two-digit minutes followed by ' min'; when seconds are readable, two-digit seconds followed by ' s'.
8 h 47 min
